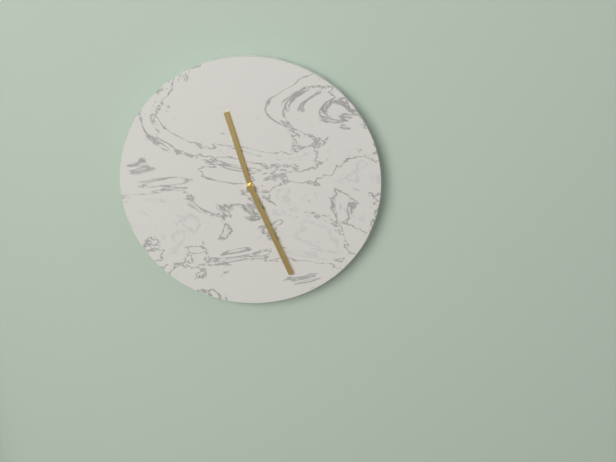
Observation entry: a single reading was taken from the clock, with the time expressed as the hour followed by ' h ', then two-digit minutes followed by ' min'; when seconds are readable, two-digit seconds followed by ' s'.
11 h 26 min
